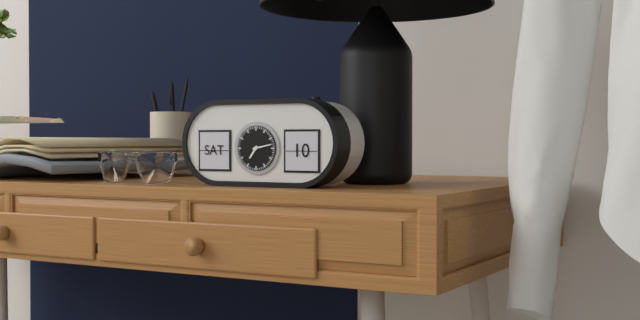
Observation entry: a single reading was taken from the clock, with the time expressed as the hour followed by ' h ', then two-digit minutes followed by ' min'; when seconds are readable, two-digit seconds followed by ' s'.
7 h 13 min
